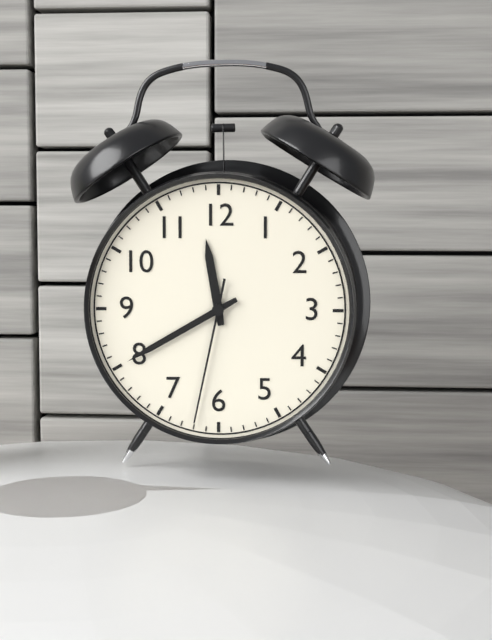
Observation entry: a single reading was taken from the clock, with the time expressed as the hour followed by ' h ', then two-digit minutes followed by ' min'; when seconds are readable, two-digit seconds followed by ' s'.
11 h 40 min 32 s
